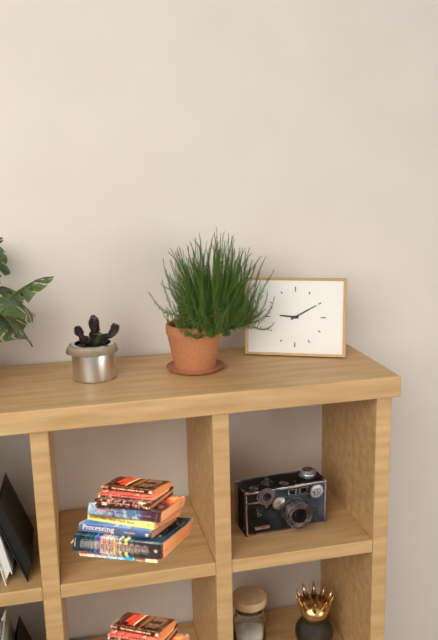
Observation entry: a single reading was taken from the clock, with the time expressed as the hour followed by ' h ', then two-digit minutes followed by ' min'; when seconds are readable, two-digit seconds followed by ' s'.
9 h 10 min
